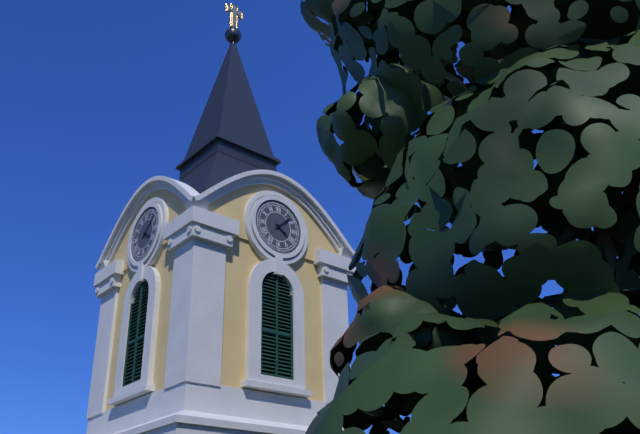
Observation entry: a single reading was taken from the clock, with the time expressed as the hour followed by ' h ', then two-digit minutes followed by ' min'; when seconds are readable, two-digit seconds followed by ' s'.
4 h 08 min
